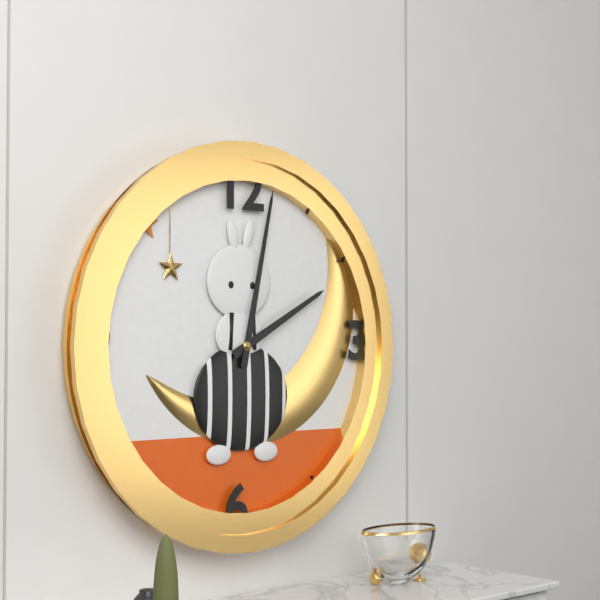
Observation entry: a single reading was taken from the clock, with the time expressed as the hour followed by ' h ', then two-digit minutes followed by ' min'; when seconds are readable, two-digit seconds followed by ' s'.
2 h 02 min
